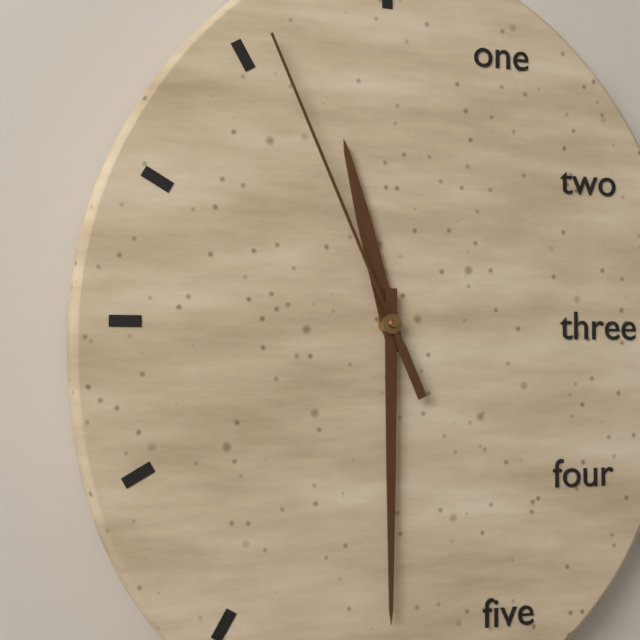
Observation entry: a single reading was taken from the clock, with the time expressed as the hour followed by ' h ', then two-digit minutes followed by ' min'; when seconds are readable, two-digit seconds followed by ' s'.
11 h 30 min 56 s
